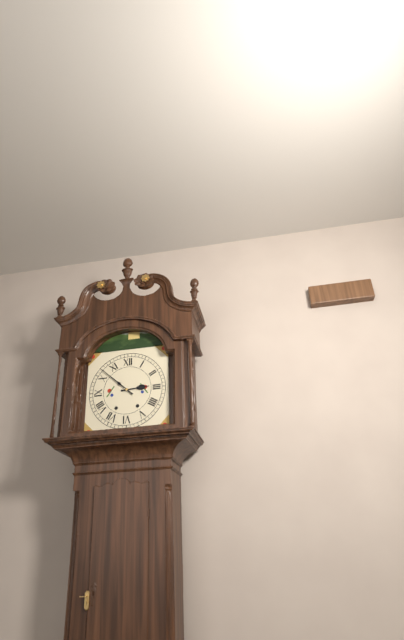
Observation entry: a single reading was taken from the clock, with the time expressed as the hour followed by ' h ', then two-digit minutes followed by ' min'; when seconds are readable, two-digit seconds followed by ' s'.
2 h 52 min
